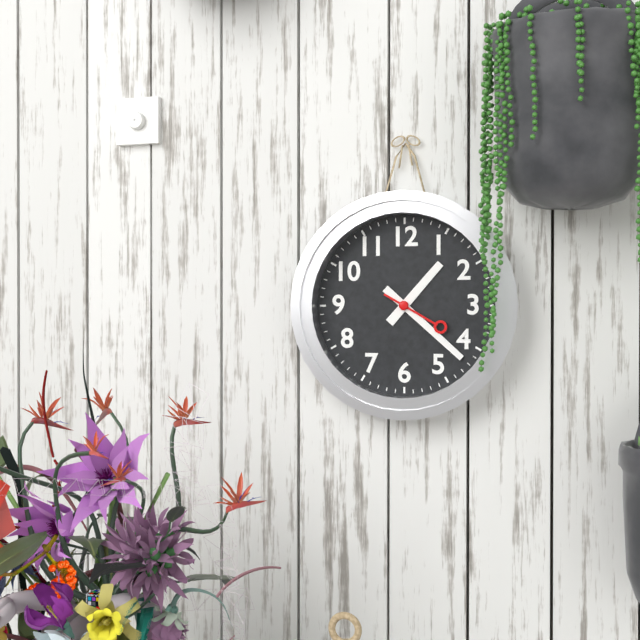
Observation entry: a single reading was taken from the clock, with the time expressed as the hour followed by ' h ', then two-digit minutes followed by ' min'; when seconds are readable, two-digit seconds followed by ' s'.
1 h 22 min 20 s
